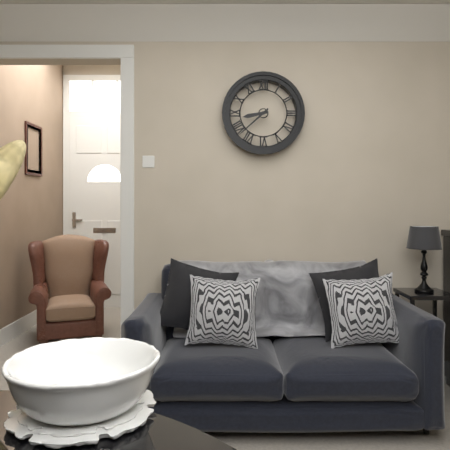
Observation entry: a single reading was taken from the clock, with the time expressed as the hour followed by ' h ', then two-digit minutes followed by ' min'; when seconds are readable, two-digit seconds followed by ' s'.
8 h 38 min
